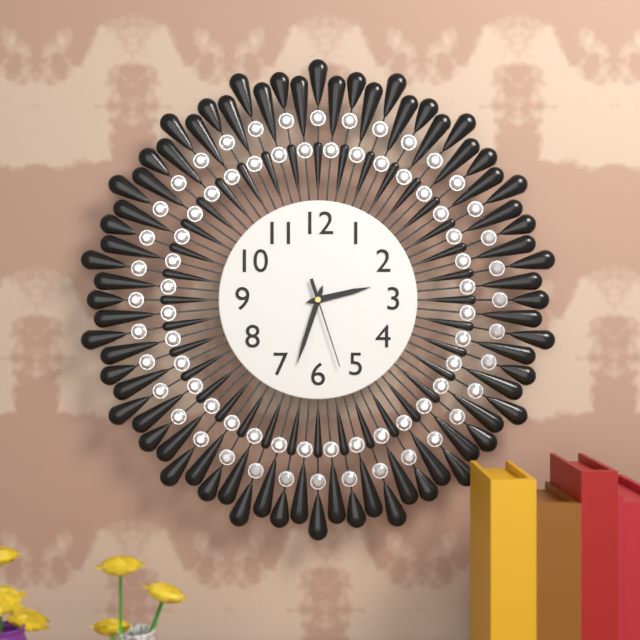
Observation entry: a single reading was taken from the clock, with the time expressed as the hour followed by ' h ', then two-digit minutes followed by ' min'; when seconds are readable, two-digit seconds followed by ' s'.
2 h 33 min 27 s
